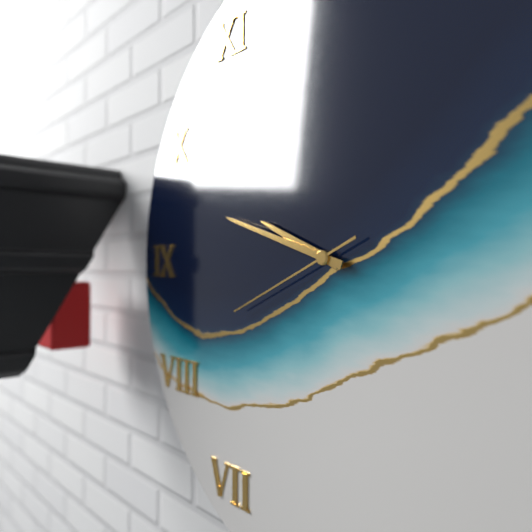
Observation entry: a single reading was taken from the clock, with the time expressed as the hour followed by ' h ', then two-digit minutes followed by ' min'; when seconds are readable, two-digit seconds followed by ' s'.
9 h 48 min 41 s
